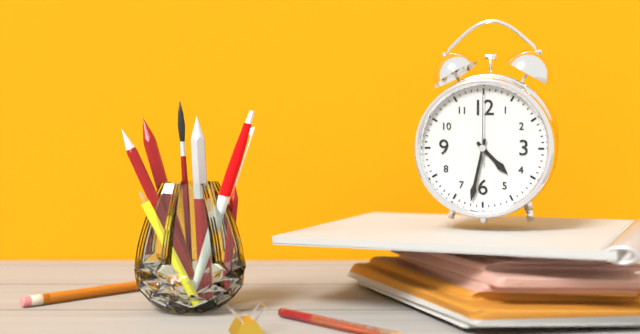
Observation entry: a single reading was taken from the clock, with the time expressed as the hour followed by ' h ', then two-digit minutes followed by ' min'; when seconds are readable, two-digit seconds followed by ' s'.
4 h 32 min 00 s
